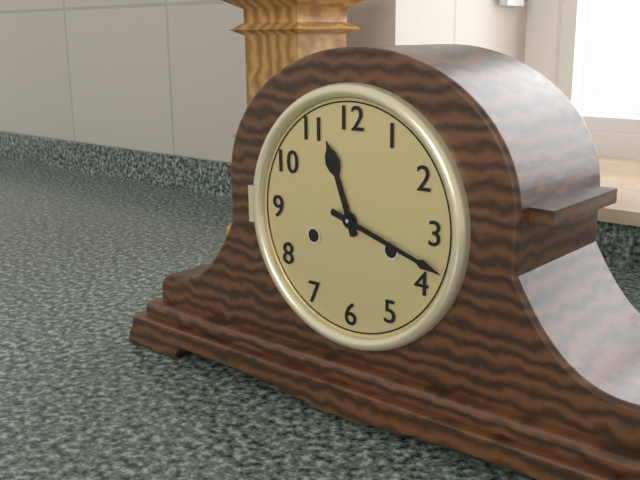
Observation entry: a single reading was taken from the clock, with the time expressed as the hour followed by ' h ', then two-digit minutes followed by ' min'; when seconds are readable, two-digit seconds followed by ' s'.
11 h 18 min
